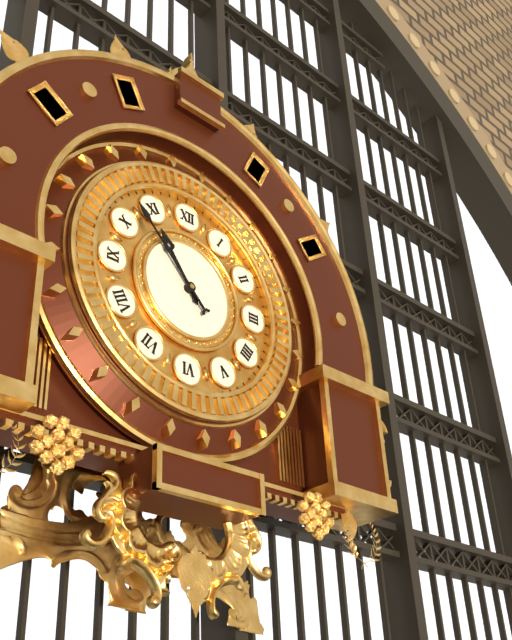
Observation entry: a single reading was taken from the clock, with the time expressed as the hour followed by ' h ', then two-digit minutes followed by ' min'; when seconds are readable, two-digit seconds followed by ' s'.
10 h 53 min
